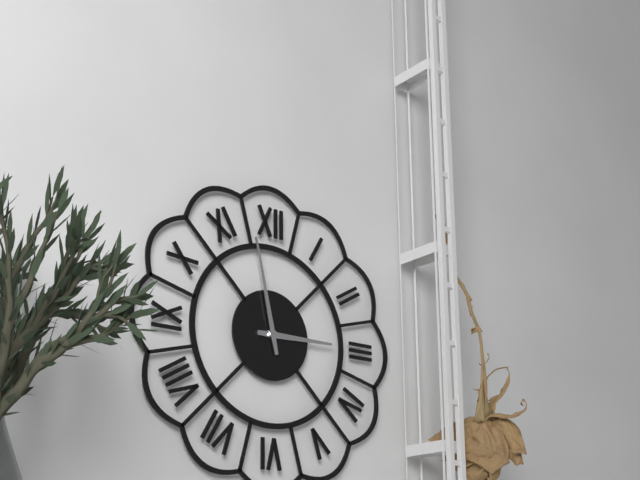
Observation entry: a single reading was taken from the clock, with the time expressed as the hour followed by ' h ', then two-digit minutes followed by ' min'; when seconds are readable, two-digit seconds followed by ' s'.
2 h 58 min
